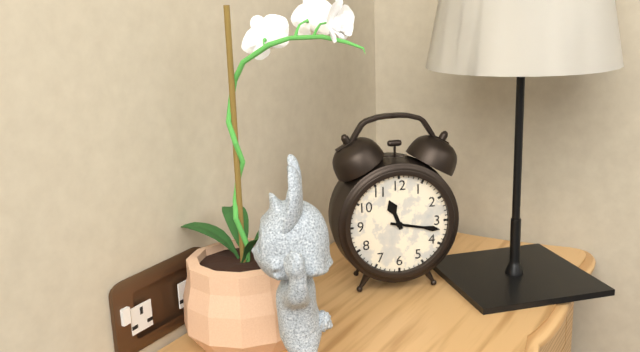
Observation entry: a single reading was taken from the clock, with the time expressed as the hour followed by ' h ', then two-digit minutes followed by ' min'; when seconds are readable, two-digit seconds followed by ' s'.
11 h 17 min
